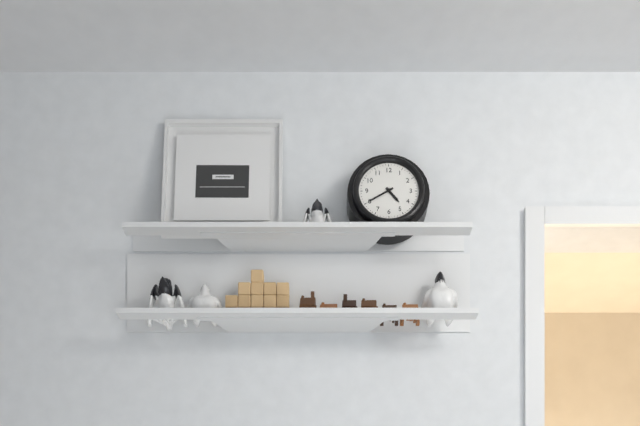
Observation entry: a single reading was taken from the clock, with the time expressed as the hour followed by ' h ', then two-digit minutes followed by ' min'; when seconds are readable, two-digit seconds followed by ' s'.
4 h 40 min
